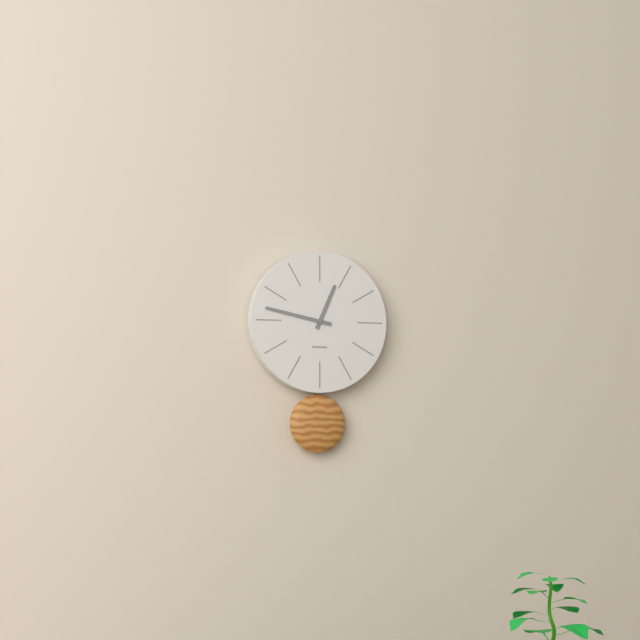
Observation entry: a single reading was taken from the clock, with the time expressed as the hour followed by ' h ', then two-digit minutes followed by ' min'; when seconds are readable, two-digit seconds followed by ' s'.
12 h 47 min
